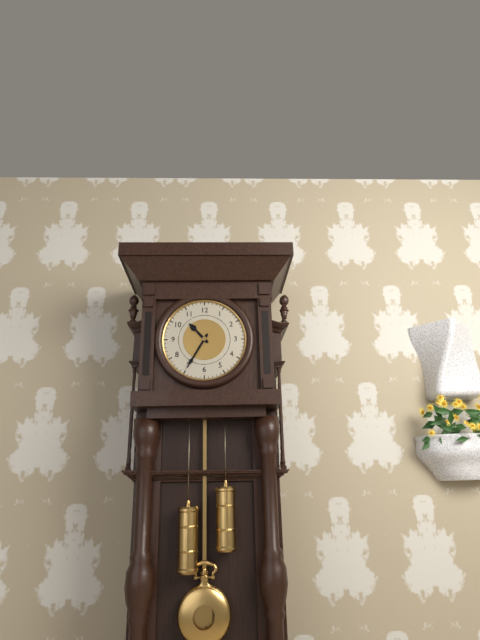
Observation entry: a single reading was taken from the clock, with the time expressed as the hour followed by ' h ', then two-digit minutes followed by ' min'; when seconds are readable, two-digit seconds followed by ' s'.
10 h 35 min
